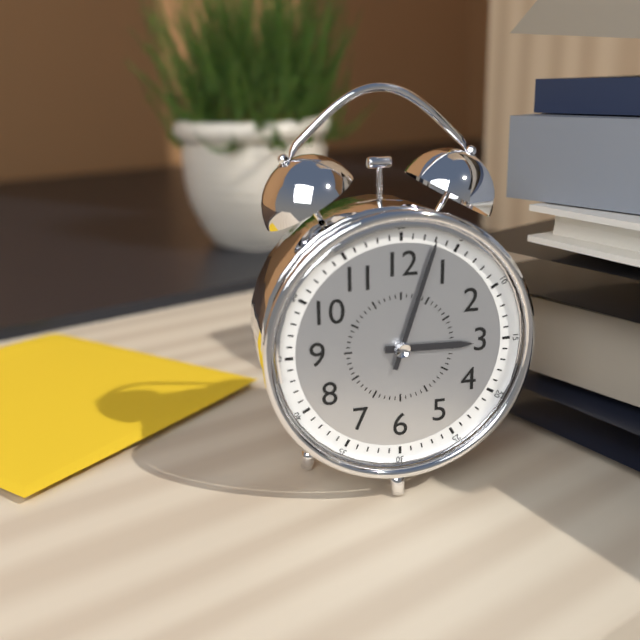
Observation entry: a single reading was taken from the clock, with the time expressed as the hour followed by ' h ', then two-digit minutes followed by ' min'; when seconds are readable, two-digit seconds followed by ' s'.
3 h 03 min
